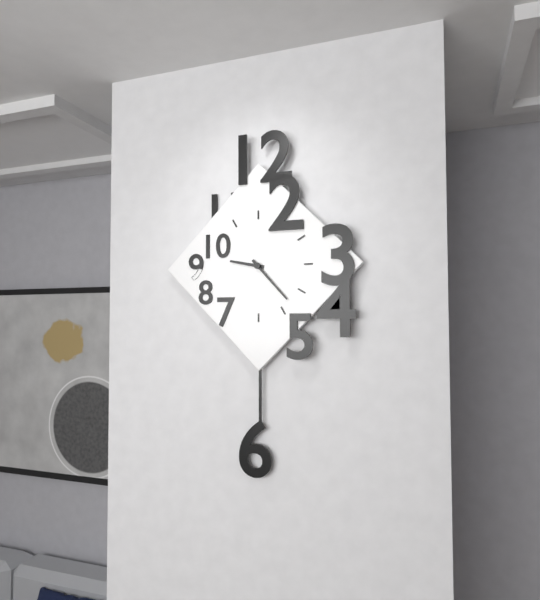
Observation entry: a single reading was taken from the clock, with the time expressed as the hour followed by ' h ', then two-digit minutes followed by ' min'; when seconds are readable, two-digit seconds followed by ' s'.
9 h 23 min
